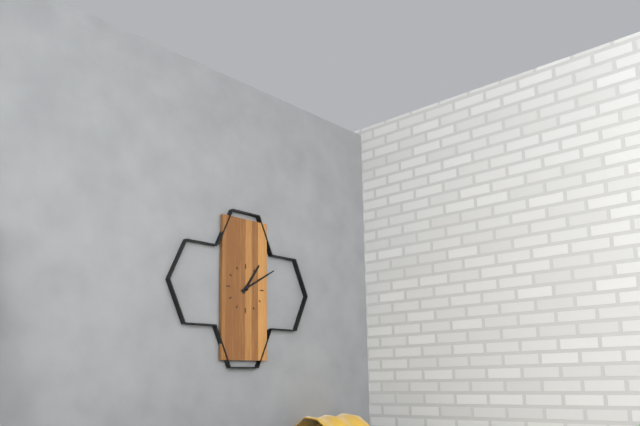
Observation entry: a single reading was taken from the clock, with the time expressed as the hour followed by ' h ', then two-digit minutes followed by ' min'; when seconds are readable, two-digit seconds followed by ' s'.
1 h 10 min
